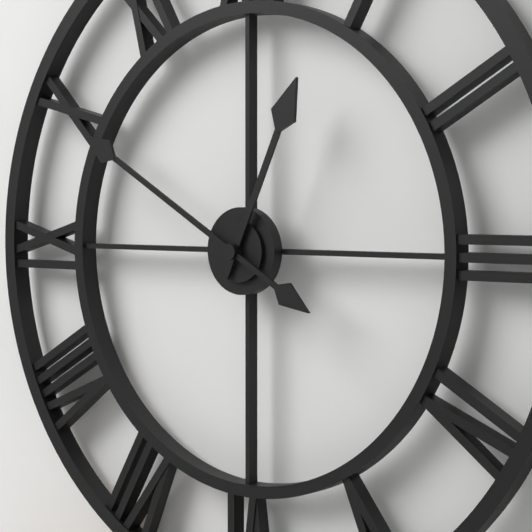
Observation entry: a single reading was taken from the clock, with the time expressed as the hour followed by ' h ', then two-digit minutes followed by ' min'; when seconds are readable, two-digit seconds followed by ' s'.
12 h 50 min
